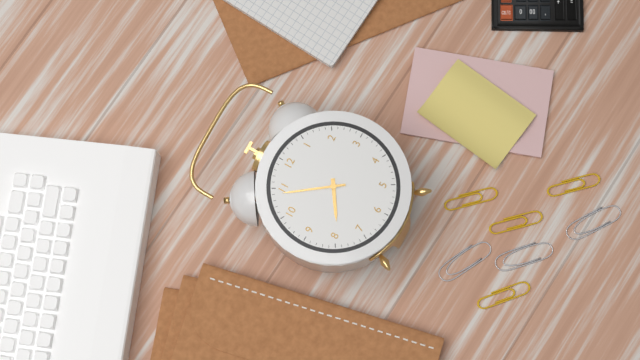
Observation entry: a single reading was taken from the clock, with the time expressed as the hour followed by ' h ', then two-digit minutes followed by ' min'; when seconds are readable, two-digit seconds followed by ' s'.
7 h 54 min
